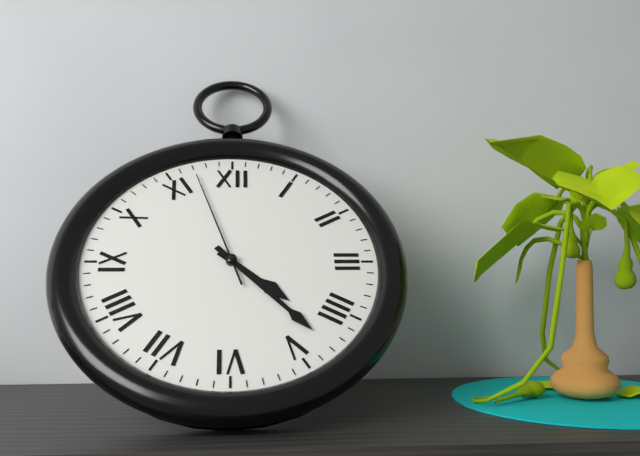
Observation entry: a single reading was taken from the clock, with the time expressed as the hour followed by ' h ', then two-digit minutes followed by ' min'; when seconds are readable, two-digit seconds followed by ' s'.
4 h 23 min 57 s
